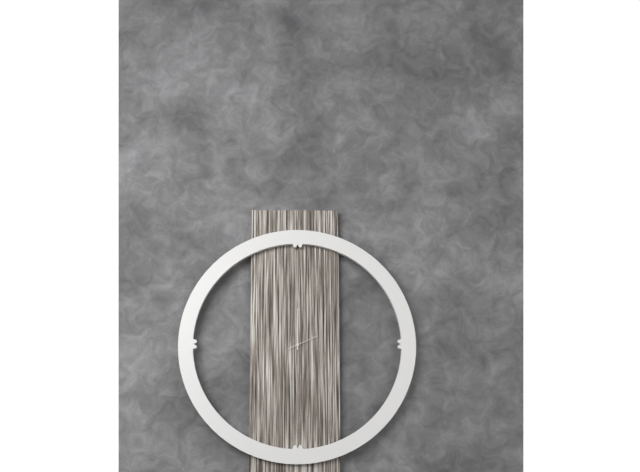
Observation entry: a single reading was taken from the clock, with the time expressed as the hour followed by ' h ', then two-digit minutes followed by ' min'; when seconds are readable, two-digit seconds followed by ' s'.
12 h 00 min
